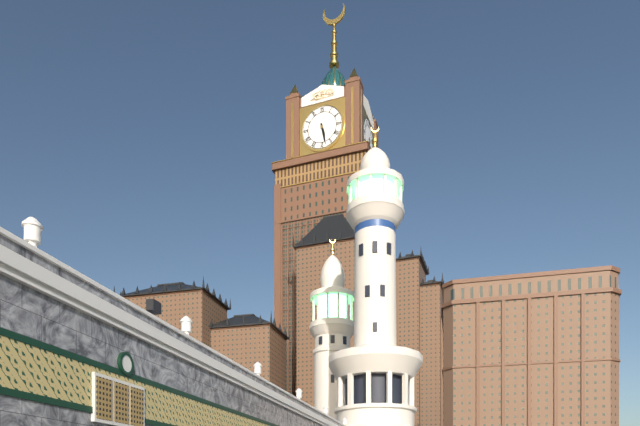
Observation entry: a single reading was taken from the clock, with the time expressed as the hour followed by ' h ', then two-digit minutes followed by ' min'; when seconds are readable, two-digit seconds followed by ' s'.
5 h 28 min
